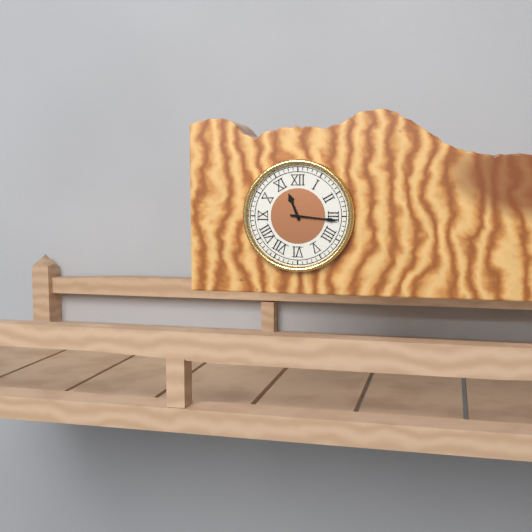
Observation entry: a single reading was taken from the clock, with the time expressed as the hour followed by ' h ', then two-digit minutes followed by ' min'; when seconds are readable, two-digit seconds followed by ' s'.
11 h 16 min
